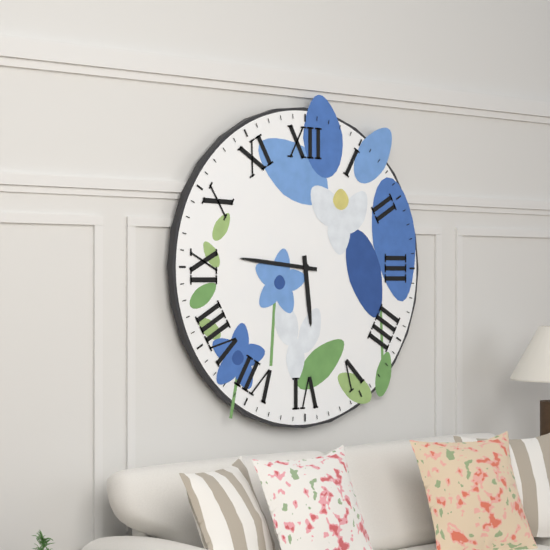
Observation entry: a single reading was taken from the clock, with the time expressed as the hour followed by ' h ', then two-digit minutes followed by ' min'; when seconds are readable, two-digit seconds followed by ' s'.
5 h 46 min
